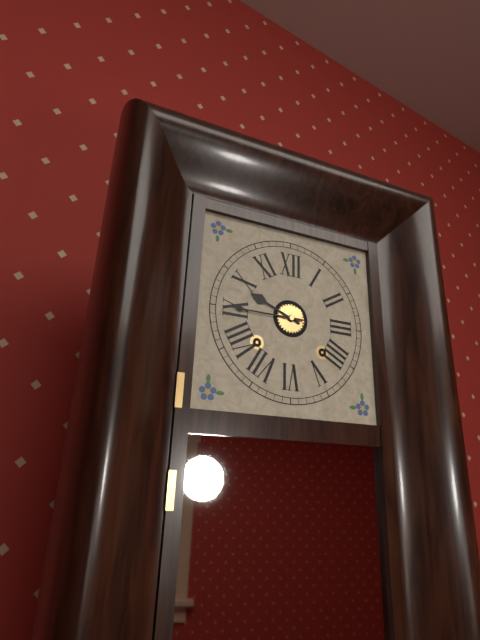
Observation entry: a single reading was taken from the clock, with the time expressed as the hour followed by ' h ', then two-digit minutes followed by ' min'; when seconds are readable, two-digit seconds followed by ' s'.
9 h 45 min
